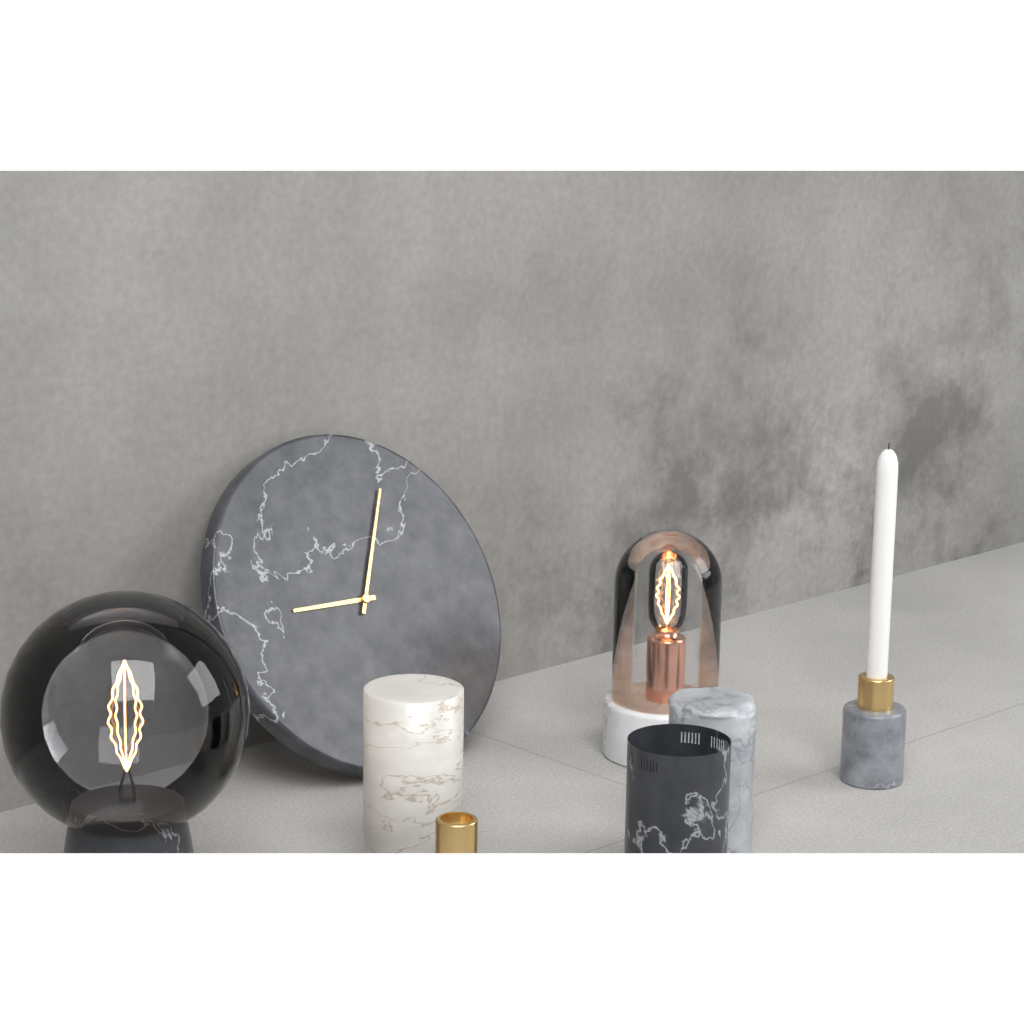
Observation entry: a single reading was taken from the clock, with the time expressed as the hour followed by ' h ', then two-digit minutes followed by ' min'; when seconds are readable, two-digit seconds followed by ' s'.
9 h 05 min
